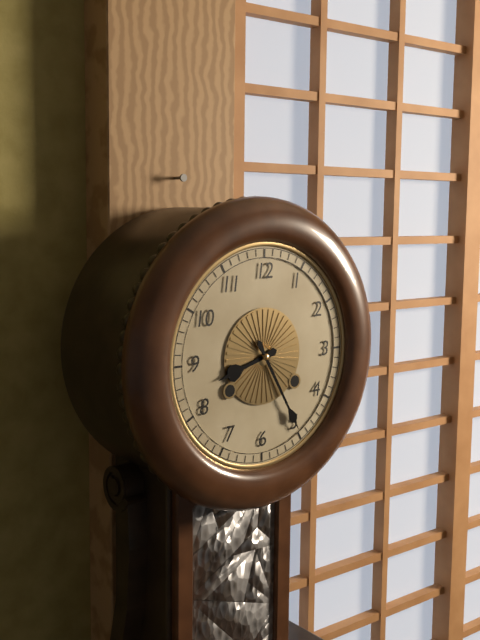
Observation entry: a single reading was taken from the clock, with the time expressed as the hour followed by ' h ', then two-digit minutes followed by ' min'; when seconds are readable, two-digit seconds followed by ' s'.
8 h 25 min
